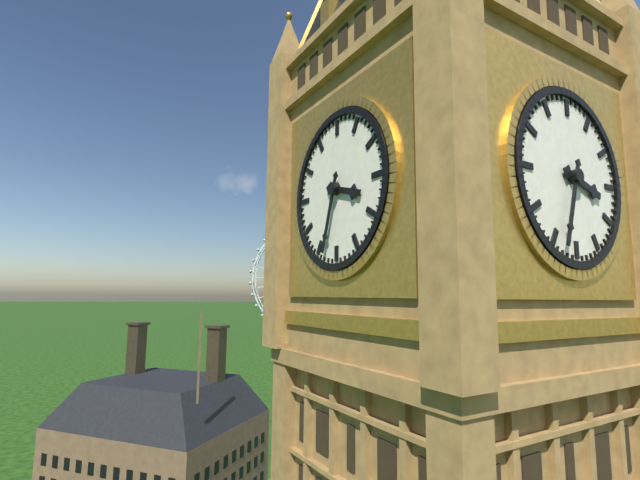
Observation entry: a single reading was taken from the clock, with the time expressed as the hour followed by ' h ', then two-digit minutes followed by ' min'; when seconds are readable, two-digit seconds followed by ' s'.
3 h 33 min
